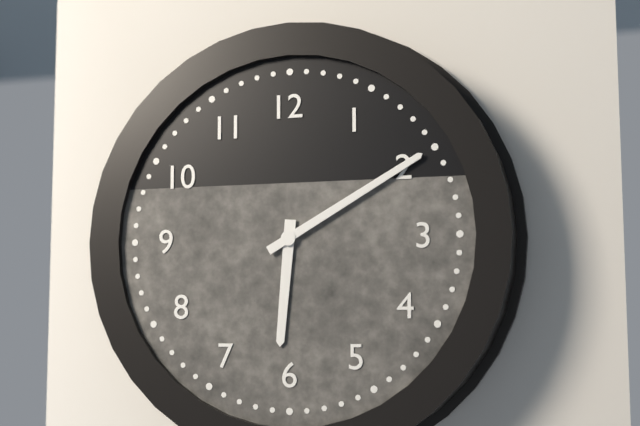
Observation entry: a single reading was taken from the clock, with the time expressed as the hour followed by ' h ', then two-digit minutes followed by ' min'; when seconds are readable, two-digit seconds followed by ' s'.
6 h 10 min
